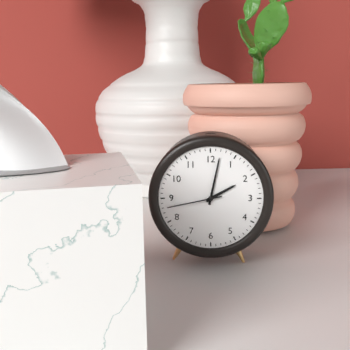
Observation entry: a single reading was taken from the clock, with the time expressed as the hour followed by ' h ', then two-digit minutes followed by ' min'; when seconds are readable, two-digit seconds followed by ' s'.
2 h 02 min 43 s
